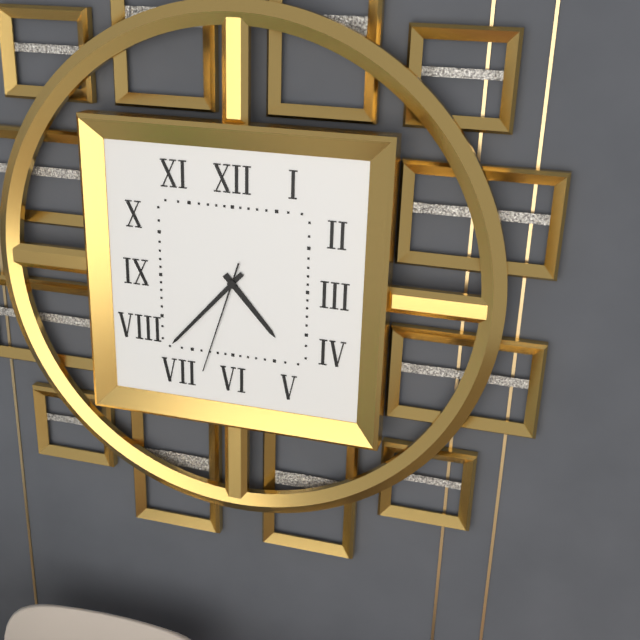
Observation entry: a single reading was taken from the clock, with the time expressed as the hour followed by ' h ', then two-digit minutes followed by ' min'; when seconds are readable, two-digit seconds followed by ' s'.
4 h 37 min 33 s
